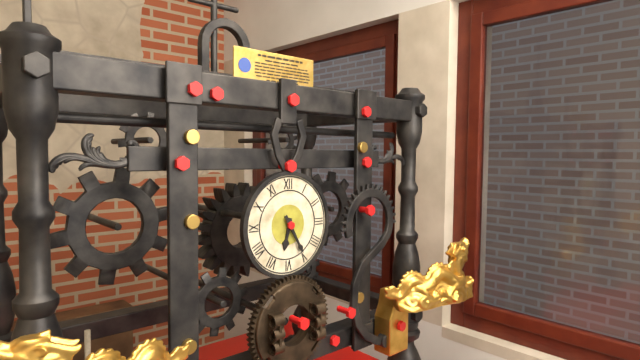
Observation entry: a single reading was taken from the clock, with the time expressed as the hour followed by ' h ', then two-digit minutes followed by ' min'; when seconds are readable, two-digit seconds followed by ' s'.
6 h 25 min
